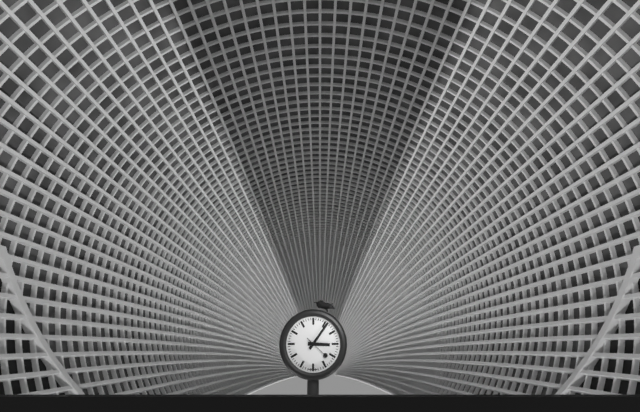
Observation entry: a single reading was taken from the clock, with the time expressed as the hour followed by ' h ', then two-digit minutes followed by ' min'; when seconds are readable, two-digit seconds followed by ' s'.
3 h 06 min
